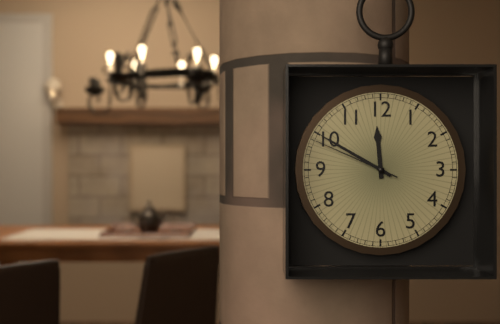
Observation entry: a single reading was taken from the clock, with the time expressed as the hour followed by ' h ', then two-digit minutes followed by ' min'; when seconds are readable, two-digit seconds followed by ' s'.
11 h 50 min 49 s
